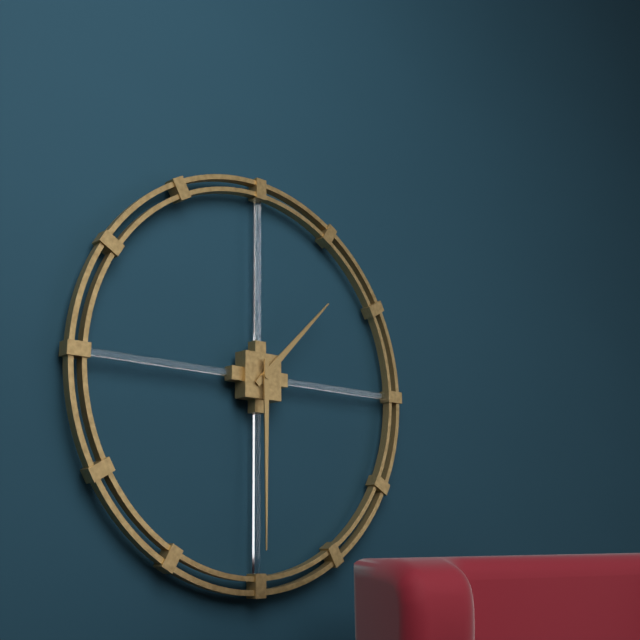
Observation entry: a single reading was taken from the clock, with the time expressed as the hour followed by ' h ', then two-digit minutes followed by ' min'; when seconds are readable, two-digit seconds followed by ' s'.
1 h 30 min
